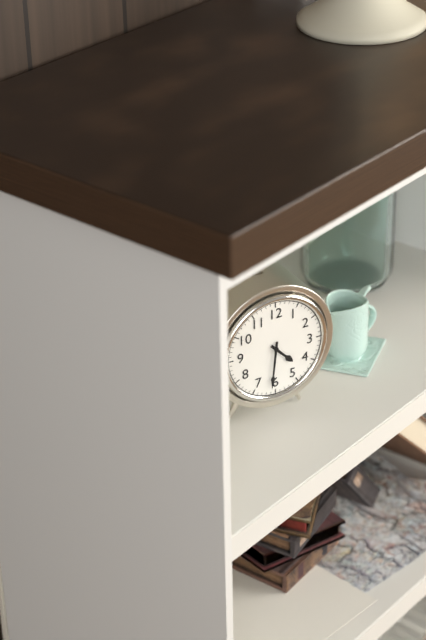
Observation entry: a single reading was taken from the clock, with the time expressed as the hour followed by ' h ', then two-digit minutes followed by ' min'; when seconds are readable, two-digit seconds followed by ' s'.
4 h 31 min
